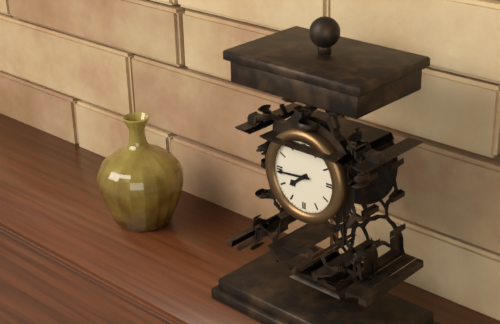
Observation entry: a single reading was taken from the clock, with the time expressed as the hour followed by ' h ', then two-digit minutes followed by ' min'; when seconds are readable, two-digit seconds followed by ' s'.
7 h 44 min
